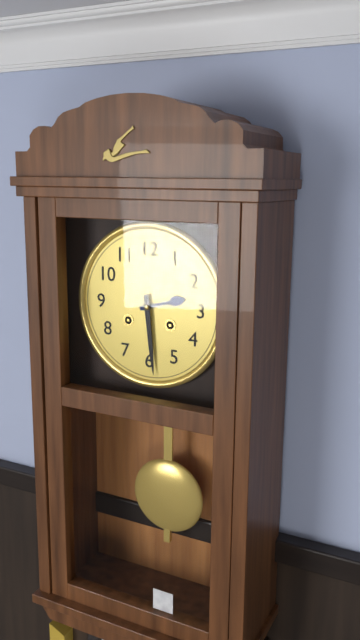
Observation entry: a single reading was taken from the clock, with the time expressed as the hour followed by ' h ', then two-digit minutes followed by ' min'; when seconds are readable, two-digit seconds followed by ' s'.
2 h 29 min
